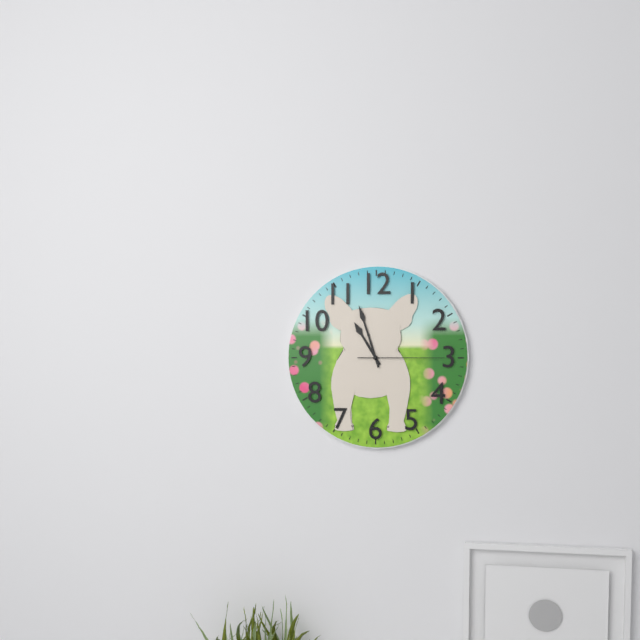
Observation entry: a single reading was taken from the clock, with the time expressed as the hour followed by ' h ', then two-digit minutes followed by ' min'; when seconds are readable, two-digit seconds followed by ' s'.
10 h 57 min 15 s
